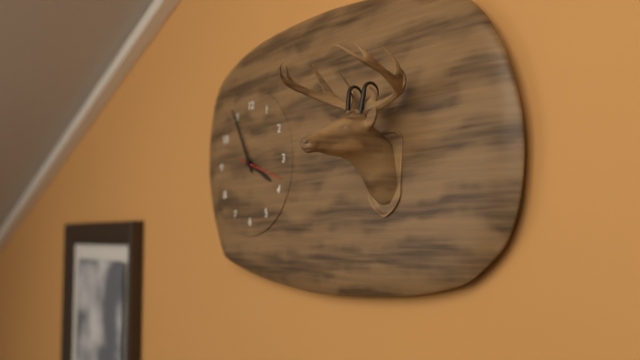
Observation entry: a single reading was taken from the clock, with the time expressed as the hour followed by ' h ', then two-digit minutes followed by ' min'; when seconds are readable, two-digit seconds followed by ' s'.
3 h 55 min
